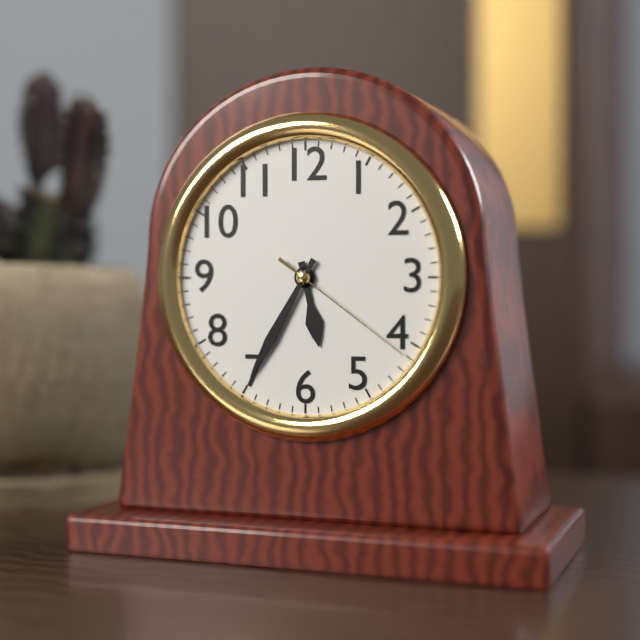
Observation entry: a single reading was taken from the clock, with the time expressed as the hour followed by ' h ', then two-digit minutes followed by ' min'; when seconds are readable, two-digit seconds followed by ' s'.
5 h 35 min 21 s
